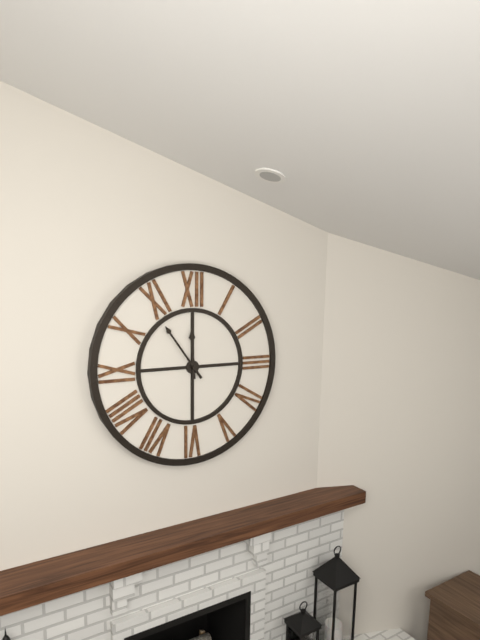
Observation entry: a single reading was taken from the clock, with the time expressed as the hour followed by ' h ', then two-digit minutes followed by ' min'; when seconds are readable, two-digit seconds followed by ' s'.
11 h 54 min
